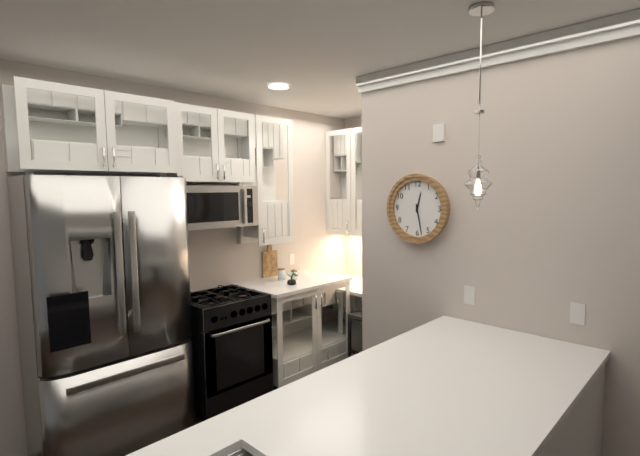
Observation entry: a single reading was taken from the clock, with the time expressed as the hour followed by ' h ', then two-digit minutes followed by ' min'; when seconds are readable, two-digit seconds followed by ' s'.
12 h 28 min
